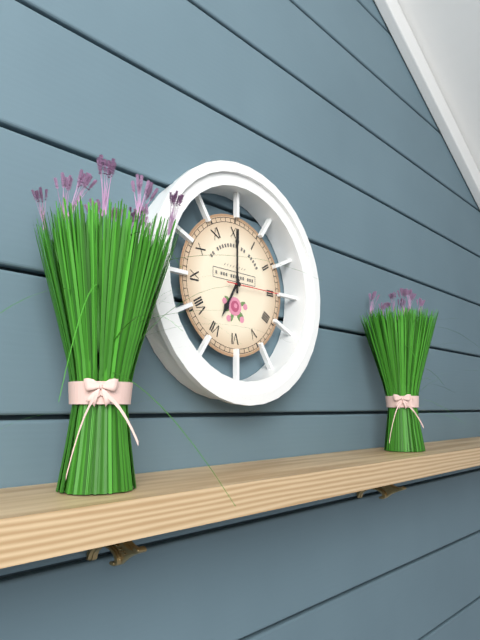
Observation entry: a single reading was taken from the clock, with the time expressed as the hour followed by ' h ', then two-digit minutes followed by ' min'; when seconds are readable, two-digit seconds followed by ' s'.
7 h 00 min 15 s
